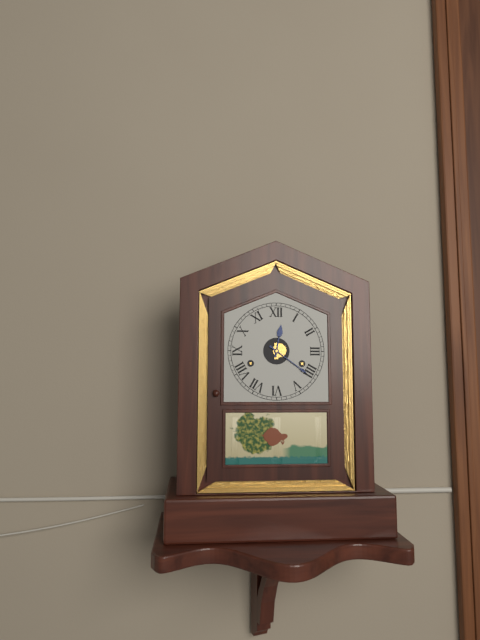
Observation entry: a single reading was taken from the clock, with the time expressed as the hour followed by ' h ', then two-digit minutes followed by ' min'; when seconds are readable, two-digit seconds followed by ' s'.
12 h 21 min
